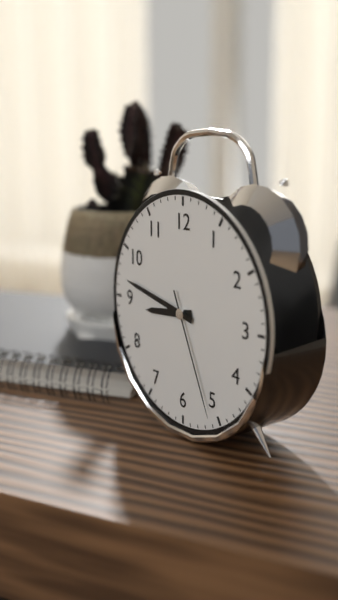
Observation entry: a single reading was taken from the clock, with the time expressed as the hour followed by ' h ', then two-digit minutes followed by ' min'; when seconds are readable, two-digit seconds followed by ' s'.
8 h 47 min 26 s
